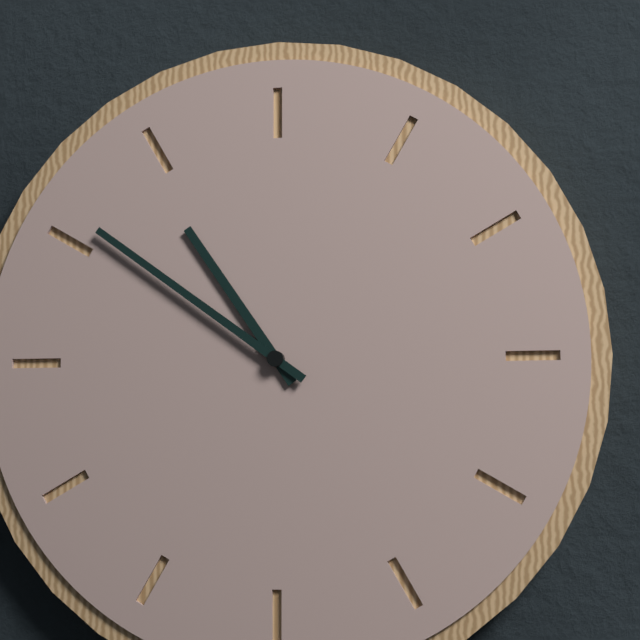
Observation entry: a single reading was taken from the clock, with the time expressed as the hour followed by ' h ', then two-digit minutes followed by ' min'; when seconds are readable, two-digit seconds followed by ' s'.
10 h 51 min
